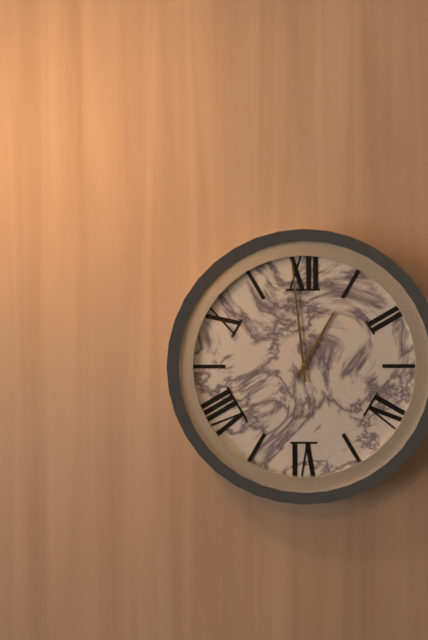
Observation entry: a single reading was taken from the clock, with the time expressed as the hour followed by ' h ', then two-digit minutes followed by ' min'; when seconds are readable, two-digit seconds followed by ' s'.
12 h 59 min
